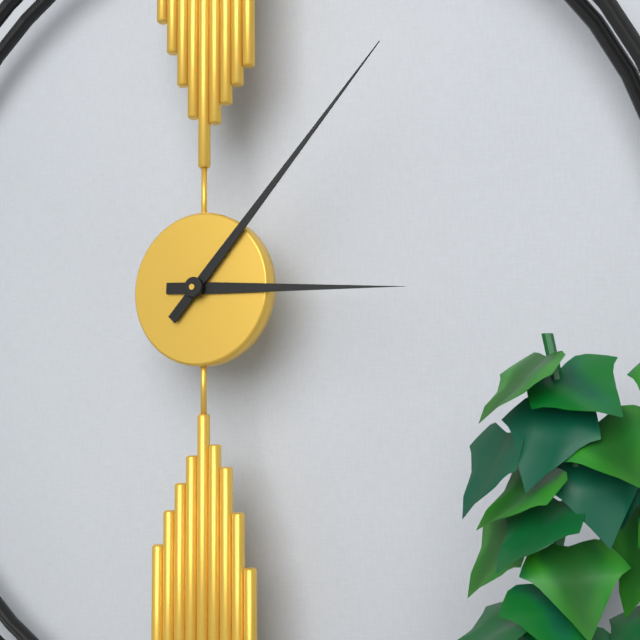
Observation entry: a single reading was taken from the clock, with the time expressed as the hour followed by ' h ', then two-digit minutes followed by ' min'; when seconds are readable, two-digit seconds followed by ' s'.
3 h 07 min
